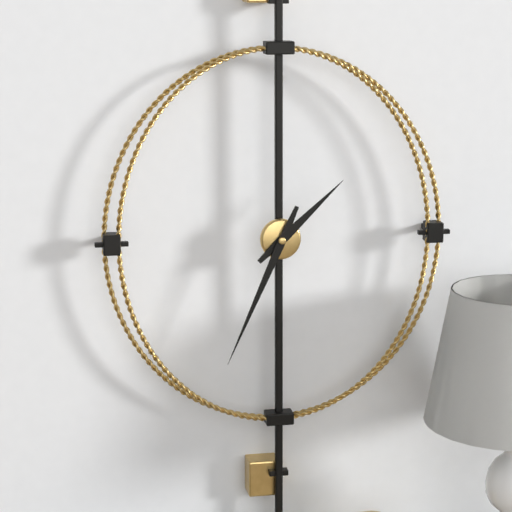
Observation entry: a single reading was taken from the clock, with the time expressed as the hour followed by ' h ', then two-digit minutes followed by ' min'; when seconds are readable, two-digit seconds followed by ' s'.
1 h 34 min
